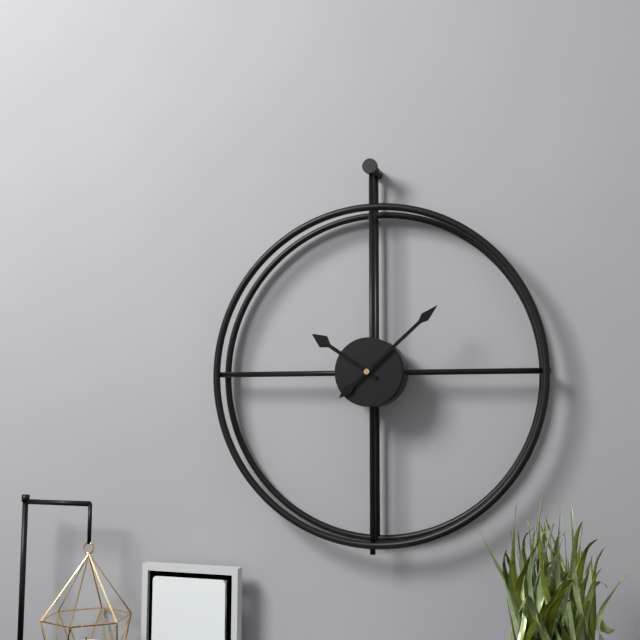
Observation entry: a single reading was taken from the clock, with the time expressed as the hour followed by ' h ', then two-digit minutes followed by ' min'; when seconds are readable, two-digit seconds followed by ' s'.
10 h 08 min
